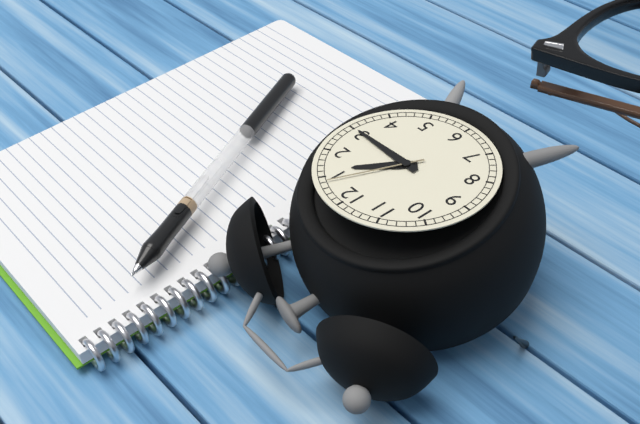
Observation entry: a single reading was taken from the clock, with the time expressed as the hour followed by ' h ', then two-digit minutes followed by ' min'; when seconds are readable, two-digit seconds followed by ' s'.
1 h 15 min 04 s
